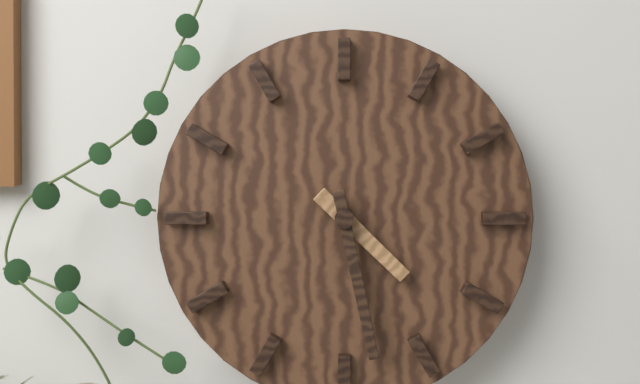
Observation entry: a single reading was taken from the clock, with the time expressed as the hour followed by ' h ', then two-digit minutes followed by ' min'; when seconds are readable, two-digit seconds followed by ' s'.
4 h 28 min
